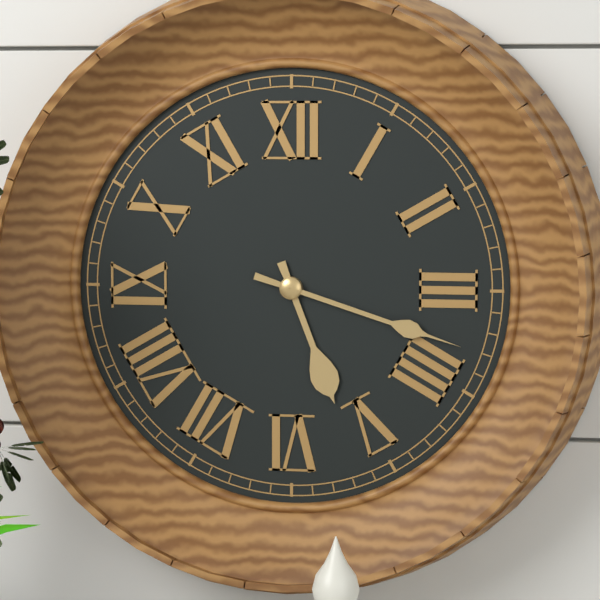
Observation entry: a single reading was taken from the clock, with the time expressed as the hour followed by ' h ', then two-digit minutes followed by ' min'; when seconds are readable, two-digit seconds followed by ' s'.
5 h 18 min
